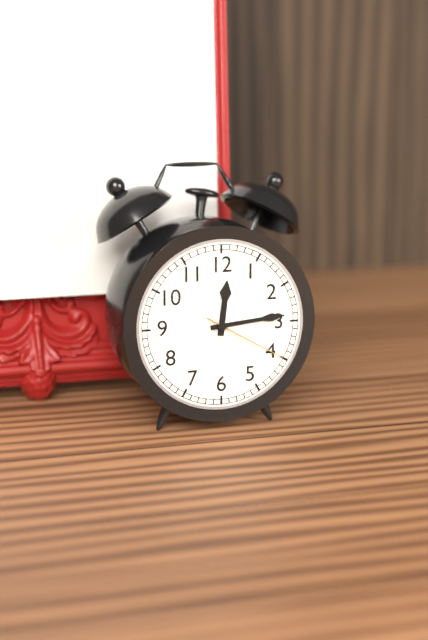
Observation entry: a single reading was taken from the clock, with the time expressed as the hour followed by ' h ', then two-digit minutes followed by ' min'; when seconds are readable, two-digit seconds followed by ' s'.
12 h 14 min 20 s
